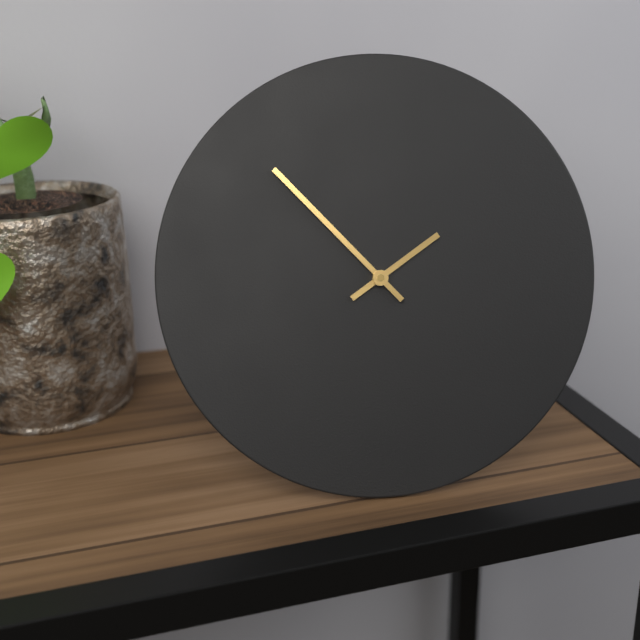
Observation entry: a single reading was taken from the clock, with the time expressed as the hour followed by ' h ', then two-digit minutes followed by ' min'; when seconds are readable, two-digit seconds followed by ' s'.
1 h 53 min
